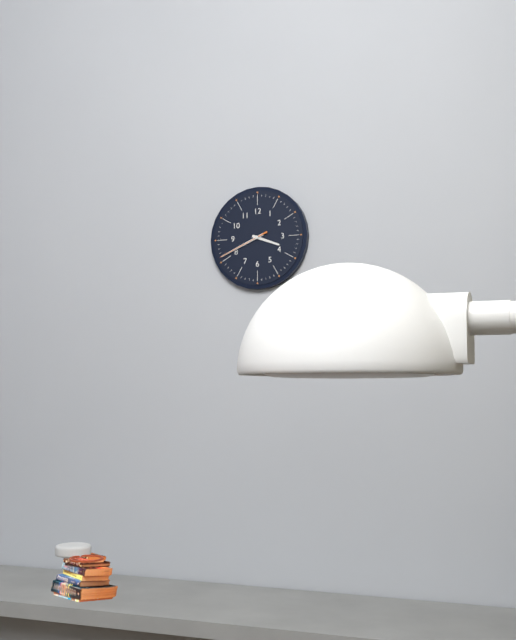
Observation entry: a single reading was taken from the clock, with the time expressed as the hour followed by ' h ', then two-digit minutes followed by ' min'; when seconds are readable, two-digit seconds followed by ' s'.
3 h 41 min 41 s
